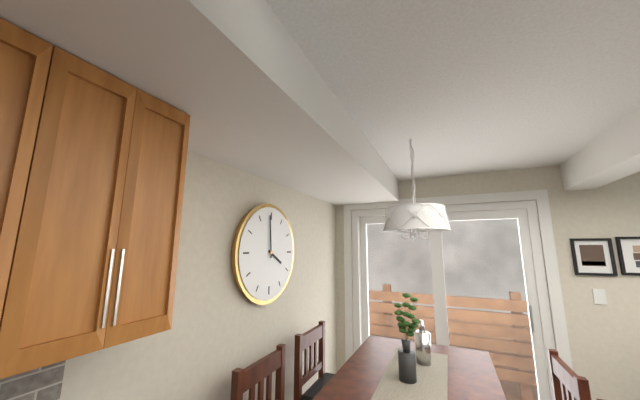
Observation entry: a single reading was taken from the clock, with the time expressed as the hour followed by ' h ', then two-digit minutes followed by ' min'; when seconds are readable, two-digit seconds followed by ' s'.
3 h 59 min
